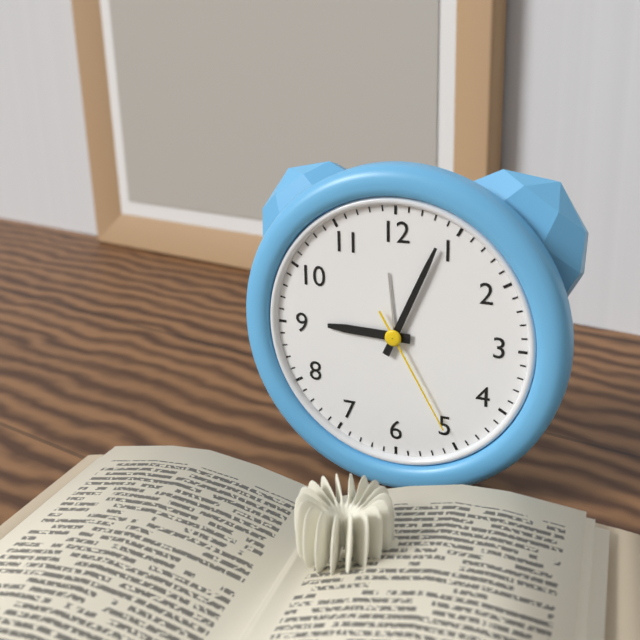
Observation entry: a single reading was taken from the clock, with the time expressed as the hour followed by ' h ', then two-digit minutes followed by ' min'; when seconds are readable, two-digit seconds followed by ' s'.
9 h 04 min 25 s
